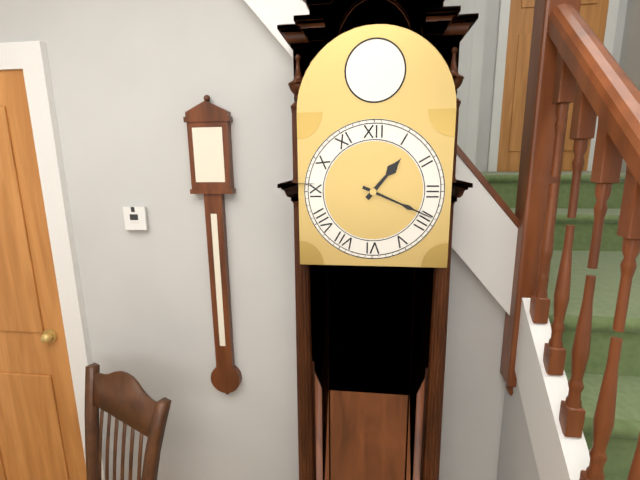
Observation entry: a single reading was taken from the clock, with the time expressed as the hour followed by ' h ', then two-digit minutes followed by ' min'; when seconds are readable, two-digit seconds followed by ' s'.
1 h 19 min
